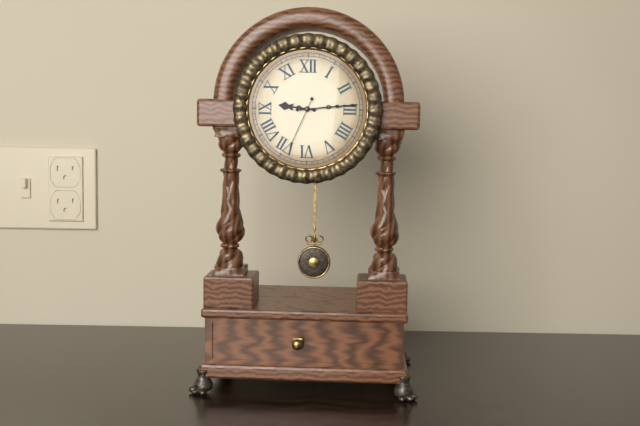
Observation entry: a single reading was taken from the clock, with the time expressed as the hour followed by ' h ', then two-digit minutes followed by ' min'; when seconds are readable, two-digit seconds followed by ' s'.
9 h 14 min 34 s
